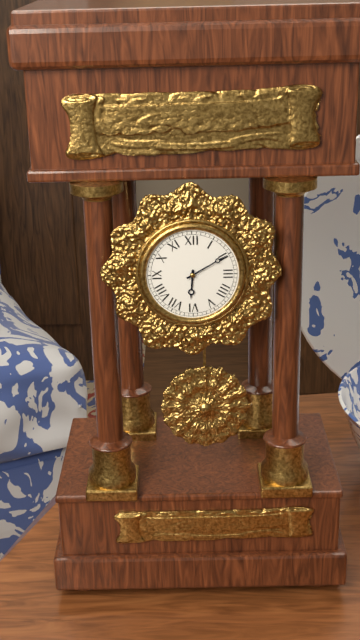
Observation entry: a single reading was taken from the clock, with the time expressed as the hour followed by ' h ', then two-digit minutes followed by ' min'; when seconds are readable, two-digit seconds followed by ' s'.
6 h 10 min
